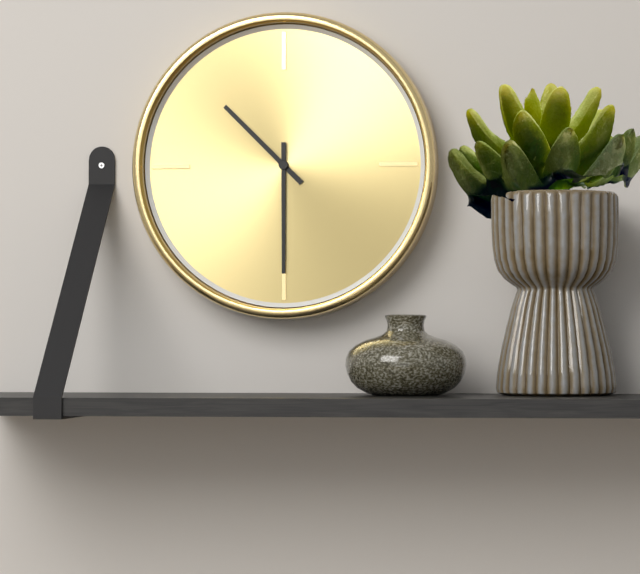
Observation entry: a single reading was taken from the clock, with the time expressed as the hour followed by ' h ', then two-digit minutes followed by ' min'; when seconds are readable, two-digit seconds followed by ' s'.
10 h 30 min
